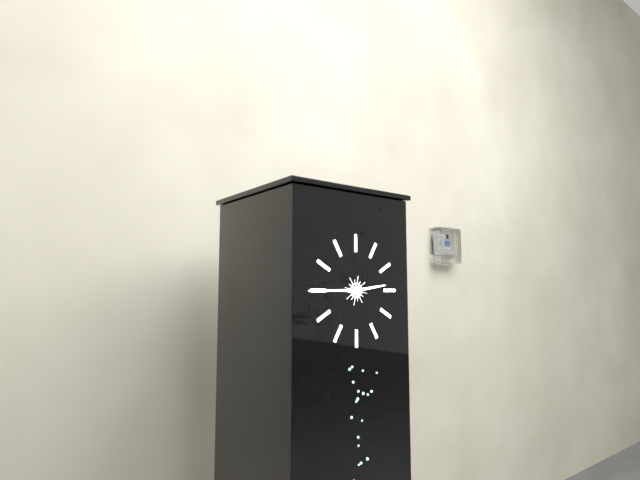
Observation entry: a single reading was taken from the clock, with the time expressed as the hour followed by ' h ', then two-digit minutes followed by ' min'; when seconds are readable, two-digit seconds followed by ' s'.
2 h 45 min
